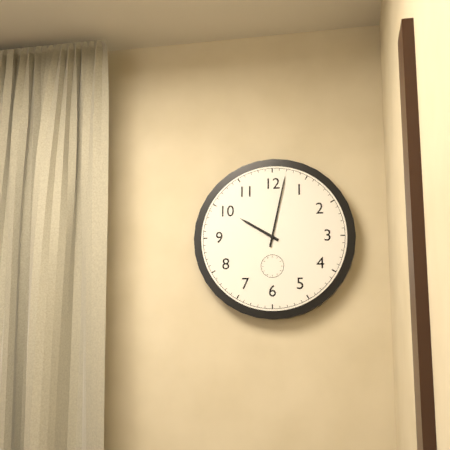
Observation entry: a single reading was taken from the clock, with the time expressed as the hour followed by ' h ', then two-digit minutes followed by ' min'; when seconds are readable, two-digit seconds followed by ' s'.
10 h 02 min
